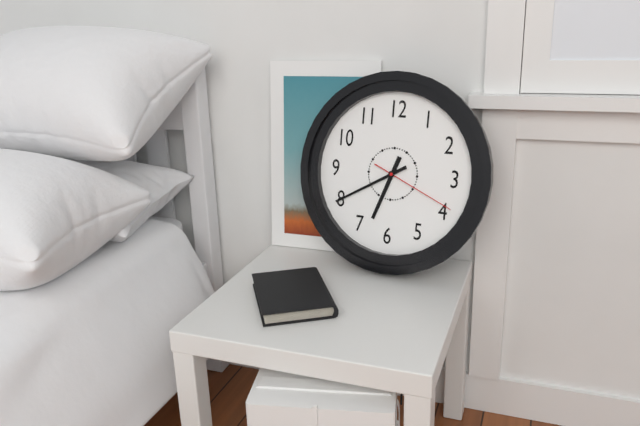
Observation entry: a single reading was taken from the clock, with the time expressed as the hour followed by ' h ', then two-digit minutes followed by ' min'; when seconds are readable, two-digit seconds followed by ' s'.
6 h 40 min 19 s
